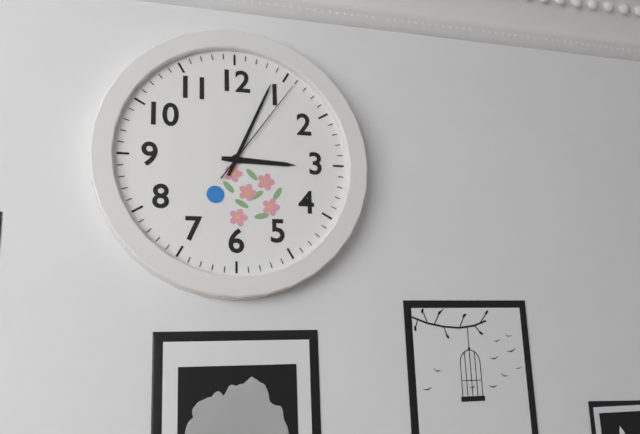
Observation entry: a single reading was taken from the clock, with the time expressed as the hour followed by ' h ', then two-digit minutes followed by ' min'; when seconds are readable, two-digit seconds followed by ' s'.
3 h 04 min 06 s
